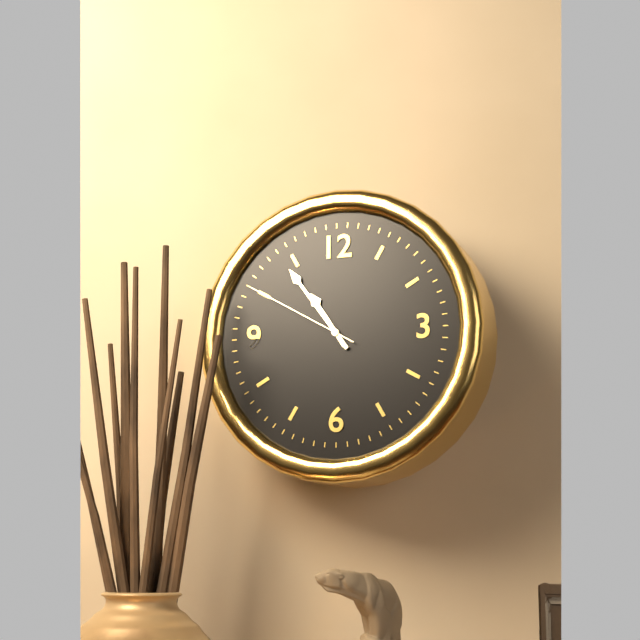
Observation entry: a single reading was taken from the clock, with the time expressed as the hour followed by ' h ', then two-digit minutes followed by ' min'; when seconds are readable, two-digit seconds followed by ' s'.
10 h 54 min 50 s
